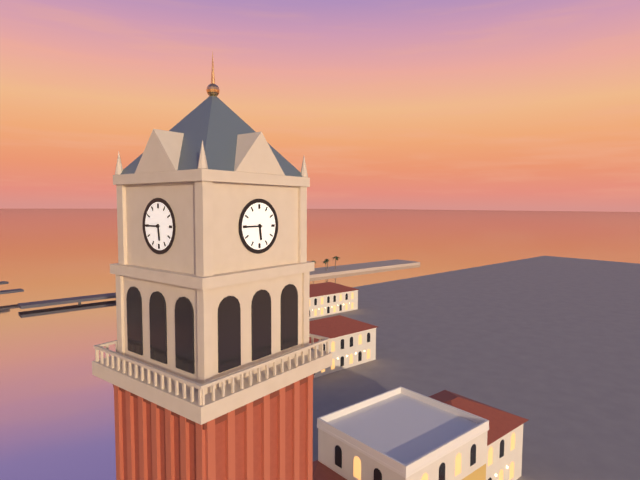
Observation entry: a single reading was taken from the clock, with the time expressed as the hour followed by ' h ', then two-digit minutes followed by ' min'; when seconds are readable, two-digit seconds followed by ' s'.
5 h 45 min
